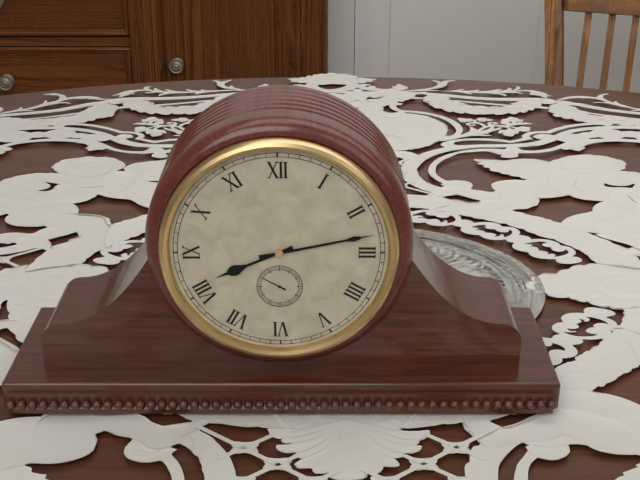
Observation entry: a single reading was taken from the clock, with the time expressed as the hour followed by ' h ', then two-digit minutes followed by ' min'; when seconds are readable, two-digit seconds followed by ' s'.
8 h 13 min
